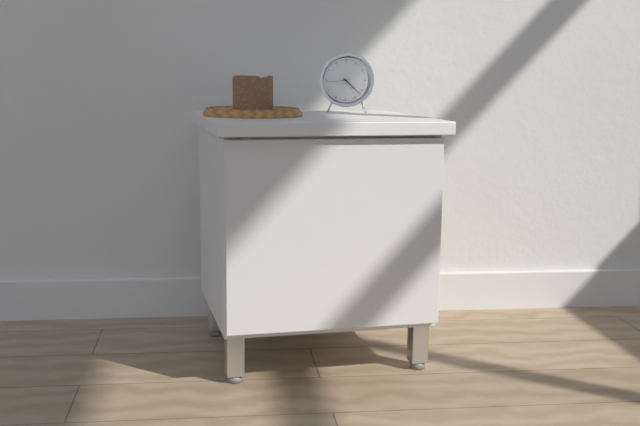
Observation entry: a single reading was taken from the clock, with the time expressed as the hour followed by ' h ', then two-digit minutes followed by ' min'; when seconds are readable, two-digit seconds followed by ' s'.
4 h 22 min
